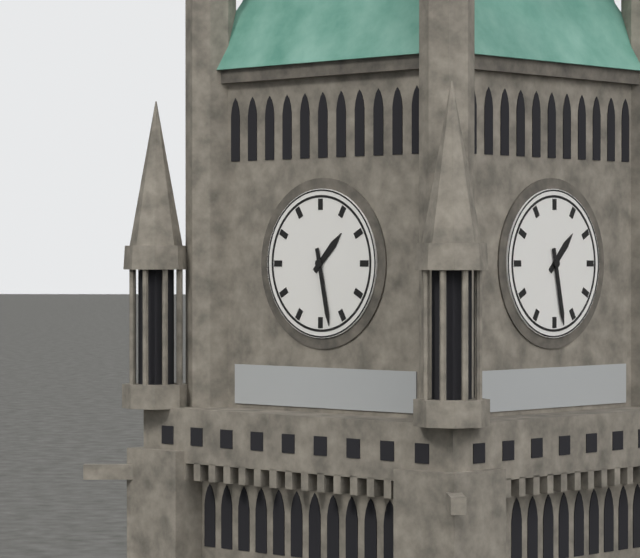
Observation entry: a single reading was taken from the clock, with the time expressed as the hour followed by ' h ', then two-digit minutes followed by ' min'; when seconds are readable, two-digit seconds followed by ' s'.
1 h 28 min
